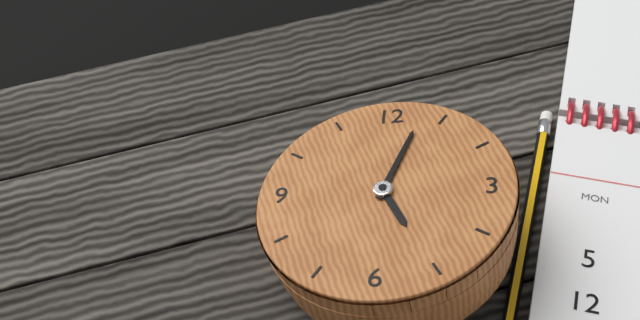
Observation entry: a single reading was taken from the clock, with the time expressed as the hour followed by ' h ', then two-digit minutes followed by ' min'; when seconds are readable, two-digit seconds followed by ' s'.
5 h 03 min
